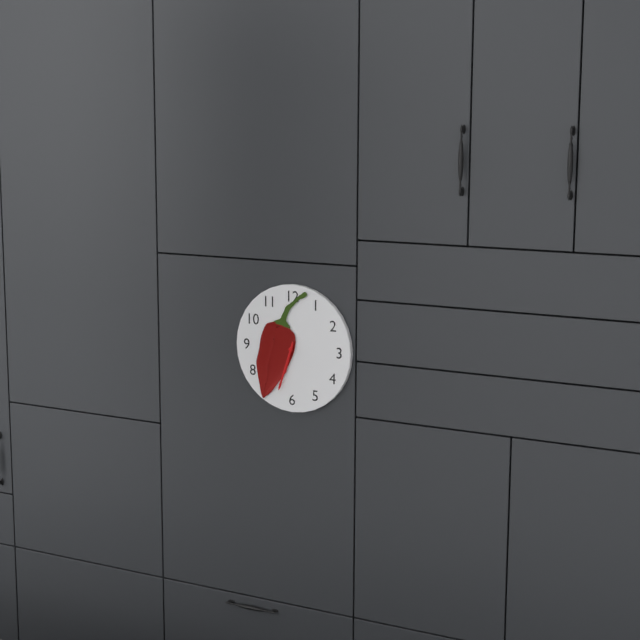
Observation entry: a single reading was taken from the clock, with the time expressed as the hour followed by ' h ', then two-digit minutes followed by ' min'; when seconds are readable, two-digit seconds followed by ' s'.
6 h 33 min
